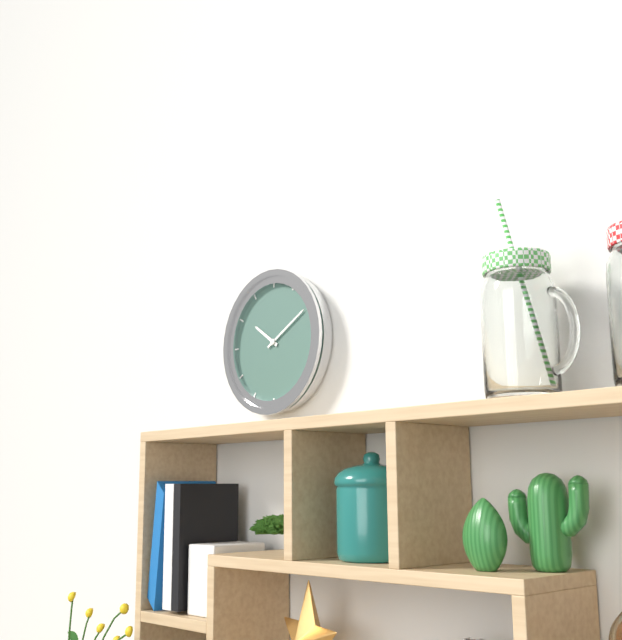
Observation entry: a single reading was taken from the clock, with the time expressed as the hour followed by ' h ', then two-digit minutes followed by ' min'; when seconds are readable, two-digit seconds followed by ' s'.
10 h 10 min
